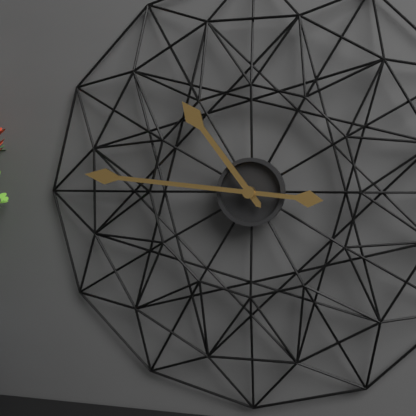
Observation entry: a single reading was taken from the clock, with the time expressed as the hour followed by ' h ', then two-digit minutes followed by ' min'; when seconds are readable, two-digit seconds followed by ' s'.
10 h 46 min
